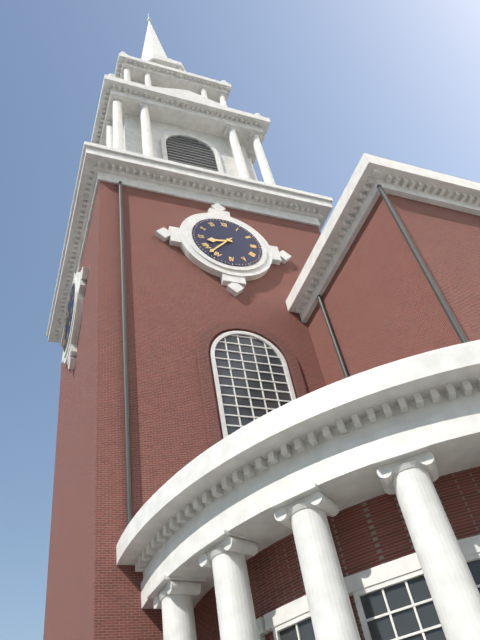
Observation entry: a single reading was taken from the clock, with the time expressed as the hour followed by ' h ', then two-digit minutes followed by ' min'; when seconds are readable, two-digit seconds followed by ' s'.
8 h 37 min
